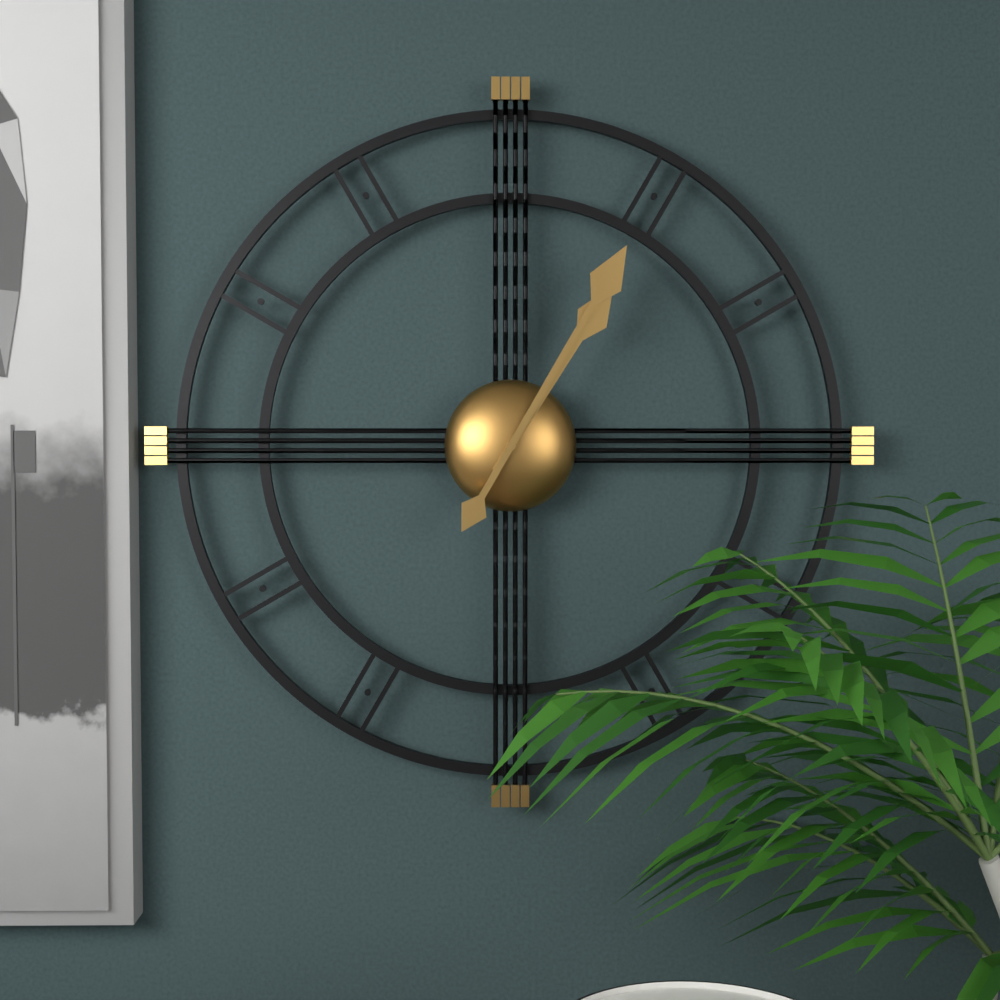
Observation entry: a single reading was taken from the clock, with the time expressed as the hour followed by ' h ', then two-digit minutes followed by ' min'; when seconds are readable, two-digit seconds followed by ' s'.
1 h 05 min
